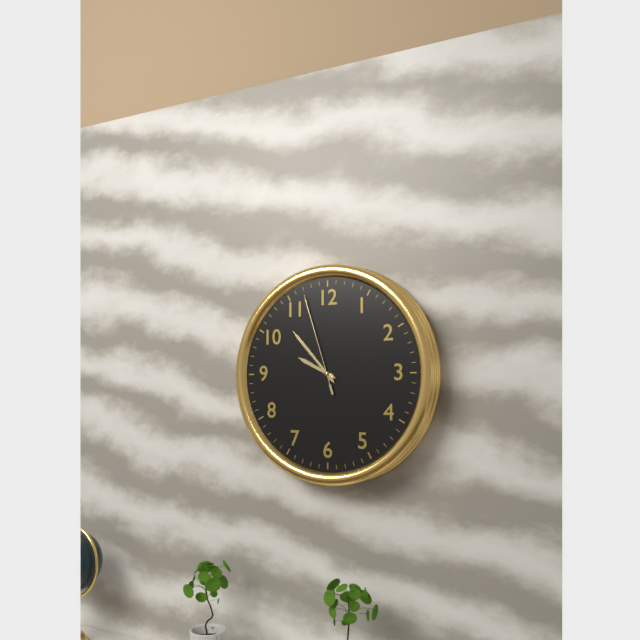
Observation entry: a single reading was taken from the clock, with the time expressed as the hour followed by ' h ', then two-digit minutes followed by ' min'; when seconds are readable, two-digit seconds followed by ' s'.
9 h 53 min 57 s
